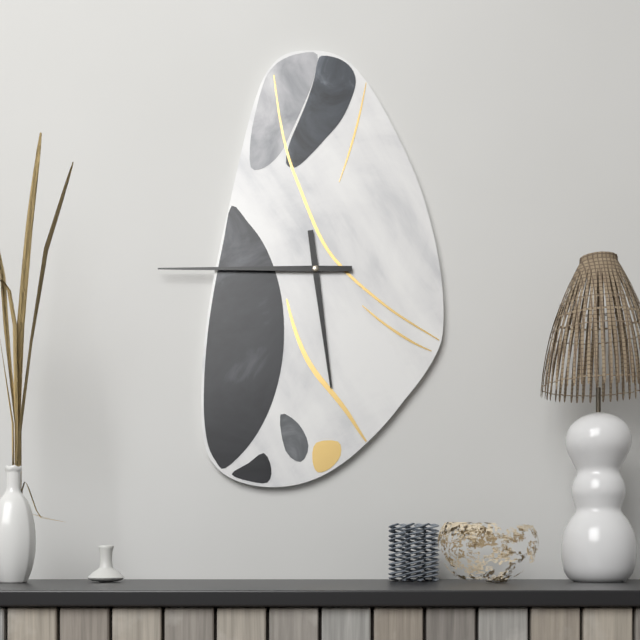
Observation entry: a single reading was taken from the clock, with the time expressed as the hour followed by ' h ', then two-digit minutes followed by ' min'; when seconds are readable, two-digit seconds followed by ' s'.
5 h 45 min
